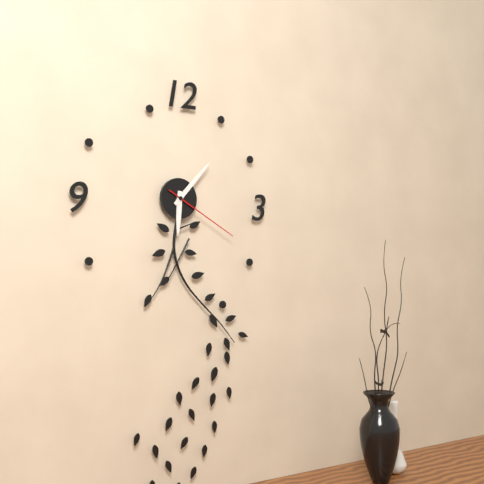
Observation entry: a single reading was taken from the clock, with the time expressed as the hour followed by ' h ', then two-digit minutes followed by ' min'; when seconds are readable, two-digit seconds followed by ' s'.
6 h 07 min 20 s
